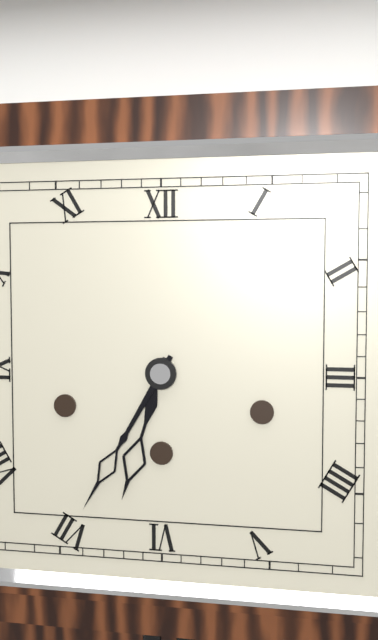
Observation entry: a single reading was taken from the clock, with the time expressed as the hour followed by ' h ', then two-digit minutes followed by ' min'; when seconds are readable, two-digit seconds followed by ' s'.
6 h 35 min
